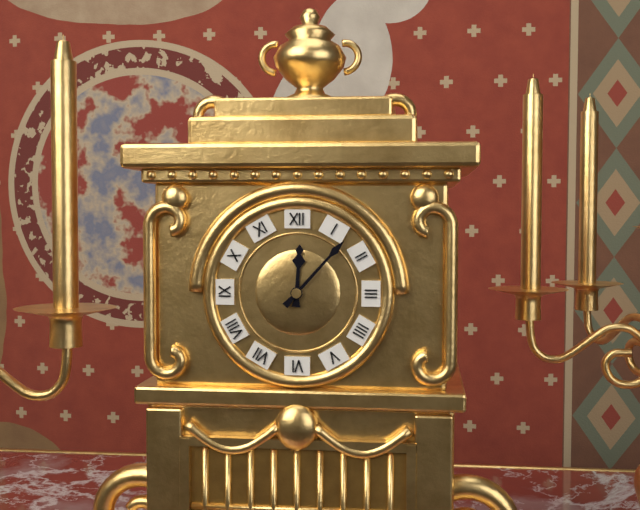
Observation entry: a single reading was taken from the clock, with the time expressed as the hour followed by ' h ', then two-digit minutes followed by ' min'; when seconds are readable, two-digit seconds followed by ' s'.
12 h 07 min
